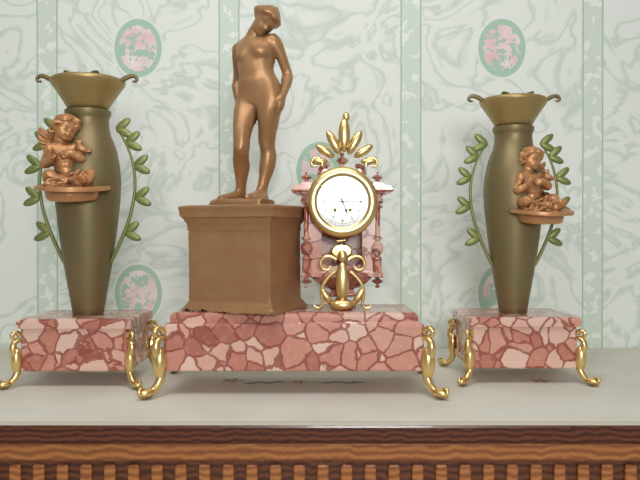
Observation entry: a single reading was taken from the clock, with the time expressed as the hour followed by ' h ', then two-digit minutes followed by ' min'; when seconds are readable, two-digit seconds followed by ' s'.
5 h 15 min
